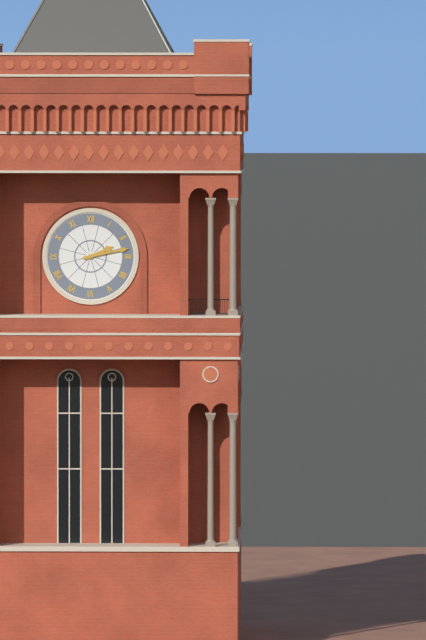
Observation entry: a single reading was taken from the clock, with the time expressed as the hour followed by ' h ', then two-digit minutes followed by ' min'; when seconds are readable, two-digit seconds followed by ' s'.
2 h 13 min
